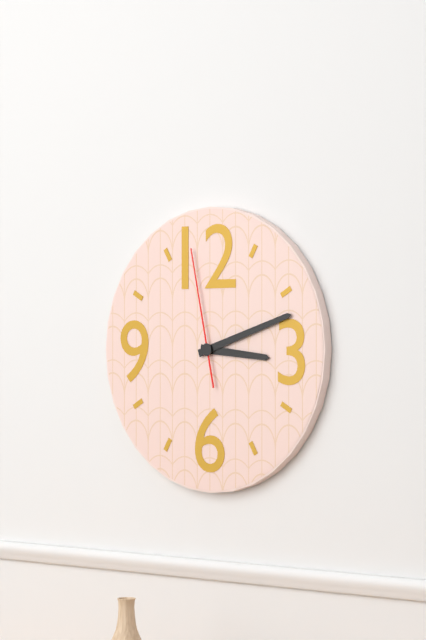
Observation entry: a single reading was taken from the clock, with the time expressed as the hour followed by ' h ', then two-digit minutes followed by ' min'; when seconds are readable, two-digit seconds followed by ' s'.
3 h 12 min 58 s
